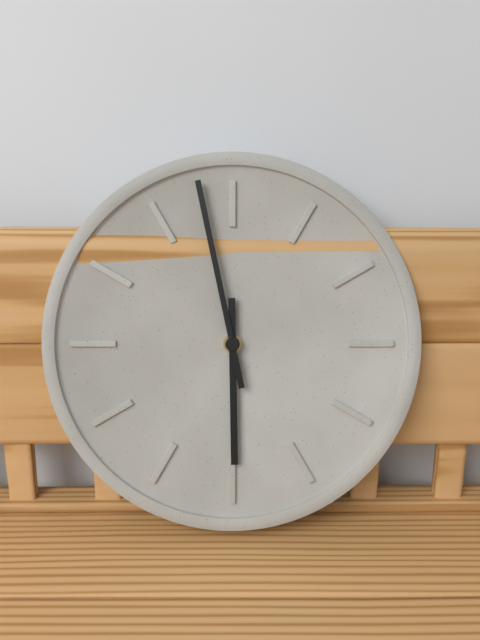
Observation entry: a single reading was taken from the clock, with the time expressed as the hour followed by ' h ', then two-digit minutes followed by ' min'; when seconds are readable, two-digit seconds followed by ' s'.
5 h 58 min
